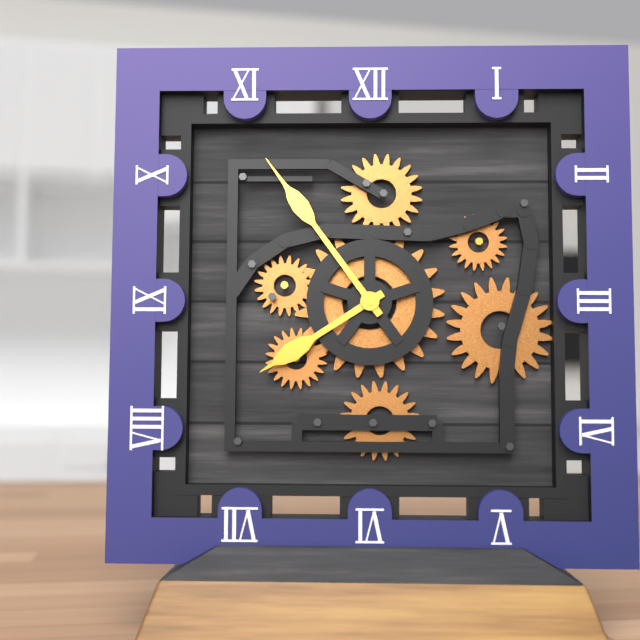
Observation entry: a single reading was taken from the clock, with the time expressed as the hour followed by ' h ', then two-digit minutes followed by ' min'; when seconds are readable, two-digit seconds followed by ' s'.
7 h 54 min
